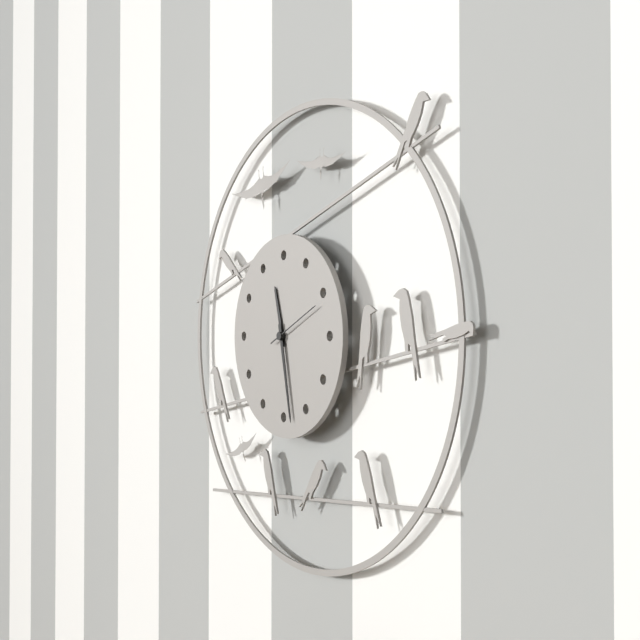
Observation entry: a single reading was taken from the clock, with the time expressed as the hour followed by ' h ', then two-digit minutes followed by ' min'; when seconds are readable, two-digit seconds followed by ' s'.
11 h 28 min 11 s
